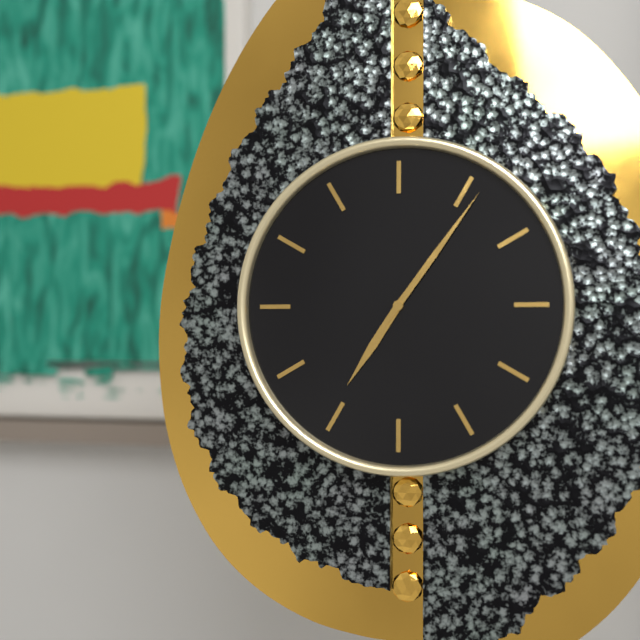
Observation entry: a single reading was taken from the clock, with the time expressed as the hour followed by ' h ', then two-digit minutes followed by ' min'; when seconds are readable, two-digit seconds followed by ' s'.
7 h 06 min
